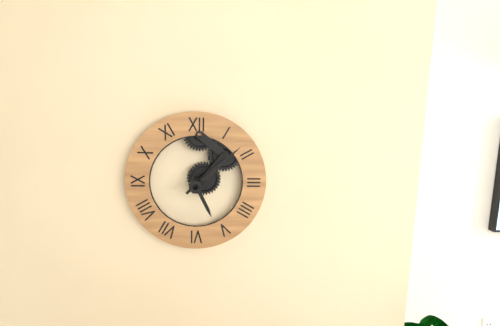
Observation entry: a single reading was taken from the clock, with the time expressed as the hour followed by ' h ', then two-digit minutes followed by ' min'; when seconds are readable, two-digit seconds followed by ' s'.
5 h 08 min
